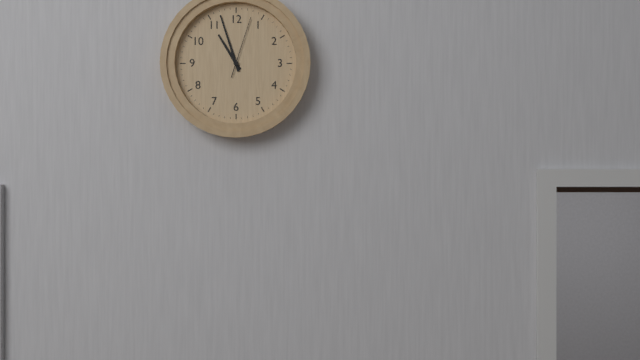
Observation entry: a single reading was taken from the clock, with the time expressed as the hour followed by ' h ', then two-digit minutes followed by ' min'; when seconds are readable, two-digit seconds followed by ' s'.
10 h 57 min 03 s
